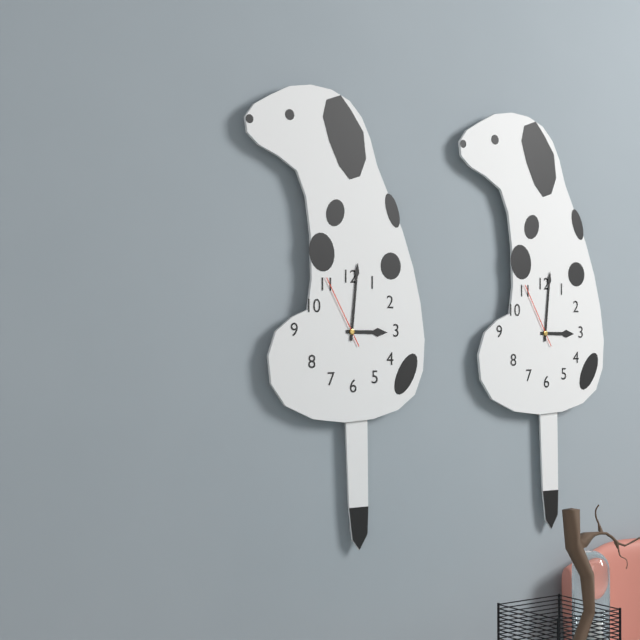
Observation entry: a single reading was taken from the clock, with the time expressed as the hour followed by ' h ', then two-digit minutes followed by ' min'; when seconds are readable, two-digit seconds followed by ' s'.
3 h 01 min 55 s
